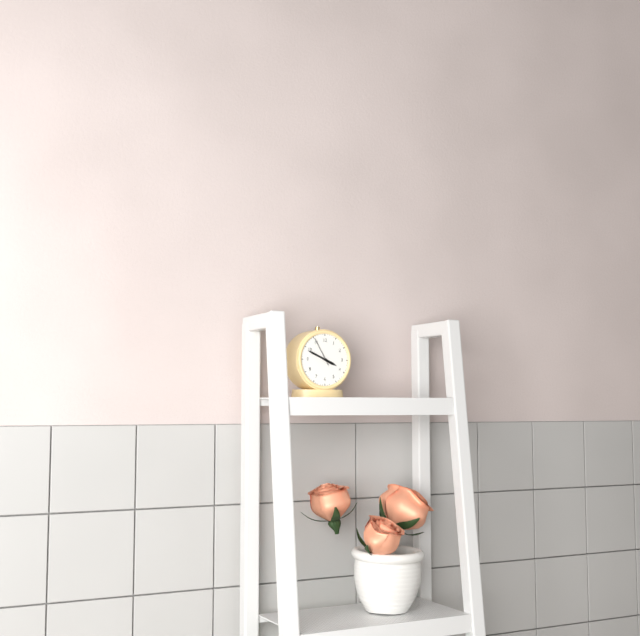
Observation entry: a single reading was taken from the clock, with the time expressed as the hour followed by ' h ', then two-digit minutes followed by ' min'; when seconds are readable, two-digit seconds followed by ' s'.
3 h 49 min
